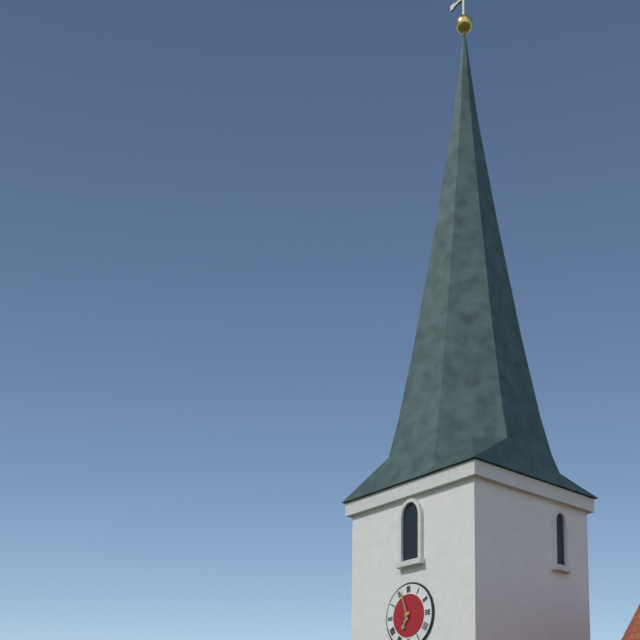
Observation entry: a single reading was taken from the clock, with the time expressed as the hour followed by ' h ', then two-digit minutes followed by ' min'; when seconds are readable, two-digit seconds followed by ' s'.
6 h 57 min
